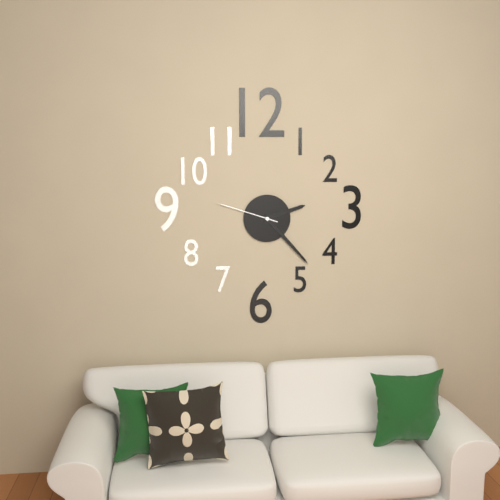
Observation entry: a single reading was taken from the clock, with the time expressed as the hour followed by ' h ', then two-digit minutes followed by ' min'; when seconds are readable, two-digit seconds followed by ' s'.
2 h 23 min 48 s
